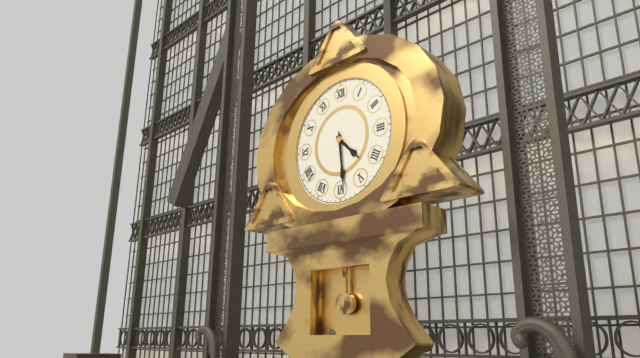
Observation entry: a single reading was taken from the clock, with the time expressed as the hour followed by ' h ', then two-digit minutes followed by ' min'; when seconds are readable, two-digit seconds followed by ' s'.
4 h 29 min
